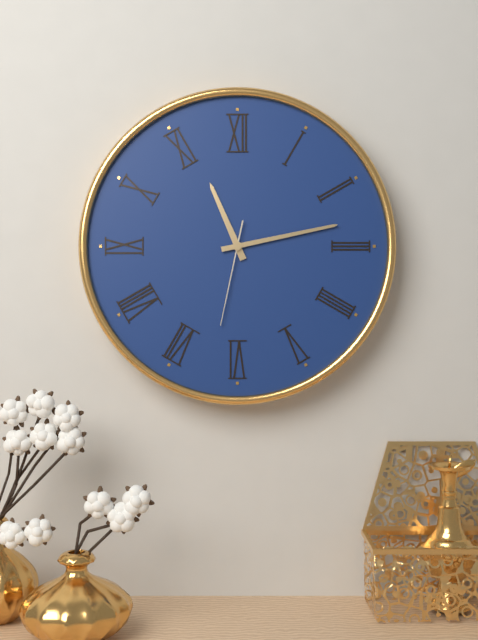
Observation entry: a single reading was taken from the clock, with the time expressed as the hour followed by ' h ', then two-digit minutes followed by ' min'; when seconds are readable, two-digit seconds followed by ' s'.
11 h 13 min 32 s
